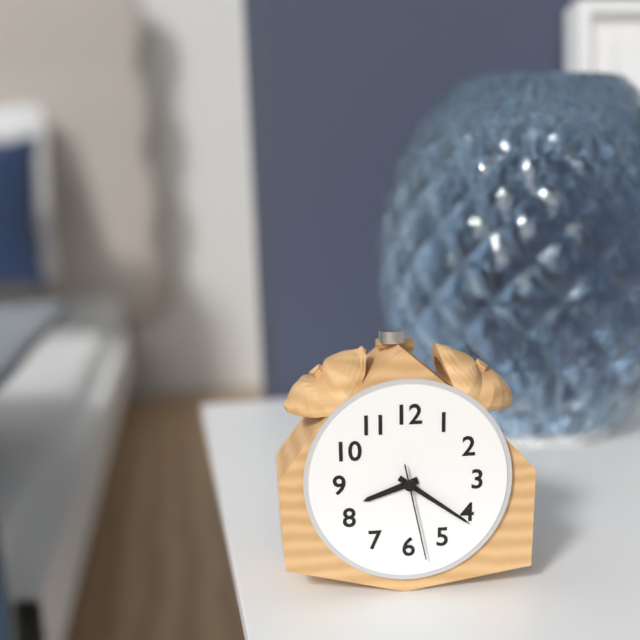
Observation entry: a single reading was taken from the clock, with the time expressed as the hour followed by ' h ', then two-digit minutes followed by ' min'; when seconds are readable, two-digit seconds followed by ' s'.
8 h 21 min 28 s
